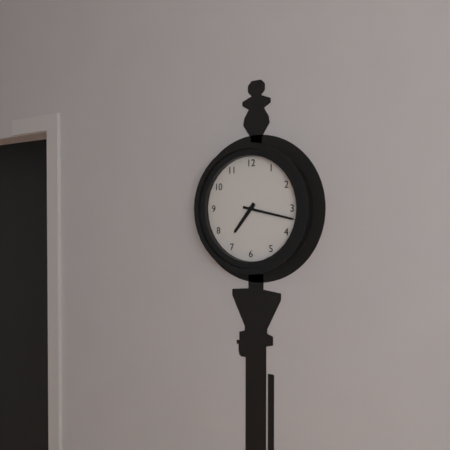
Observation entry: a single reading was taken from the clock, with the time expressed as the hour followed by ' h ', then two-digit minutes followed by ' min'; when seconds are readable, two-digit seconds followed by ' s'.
7 h 17 min
